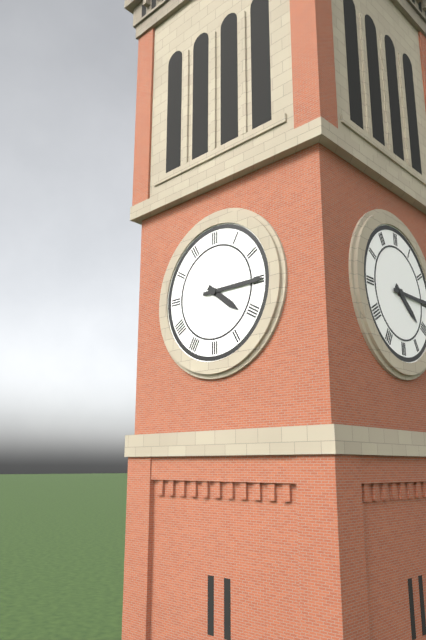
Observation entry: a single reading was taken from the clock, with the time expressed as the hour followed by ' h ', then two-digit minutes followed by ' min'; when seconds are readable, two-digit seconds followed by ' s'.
4 h 15 min
